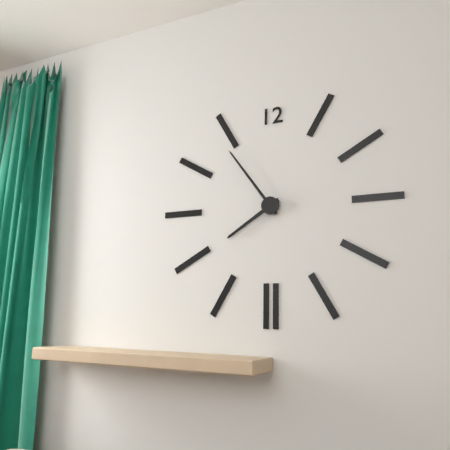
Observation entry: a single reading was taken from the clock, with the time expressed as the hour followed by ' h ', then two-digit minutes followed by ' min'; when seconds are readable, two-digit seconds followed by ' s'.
7 h 54 min
